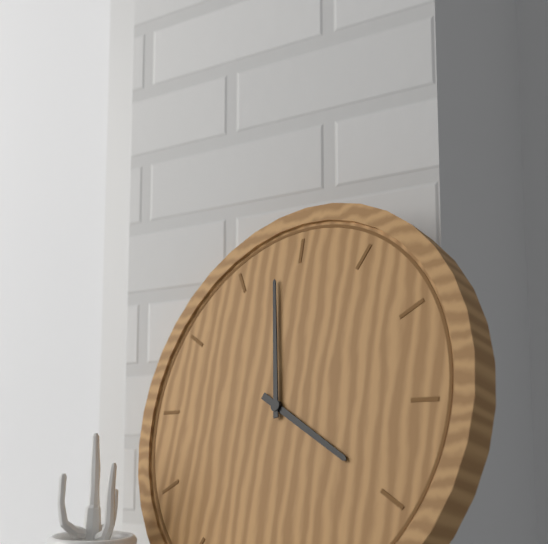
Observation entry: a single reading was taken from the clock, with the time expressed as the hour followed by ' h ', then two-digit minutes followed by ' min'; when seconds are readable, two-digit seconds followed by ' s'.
3 h 58 min
